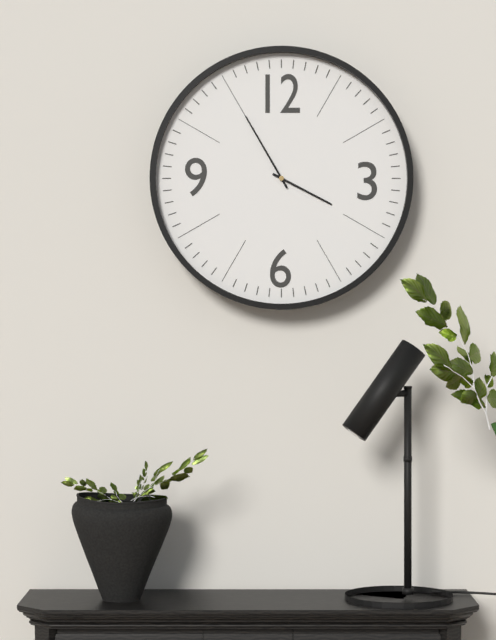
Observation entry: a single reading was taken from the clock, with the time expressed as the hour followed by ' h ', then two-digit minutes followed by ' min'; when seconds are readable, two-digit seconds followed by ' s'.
3 h 55 min
